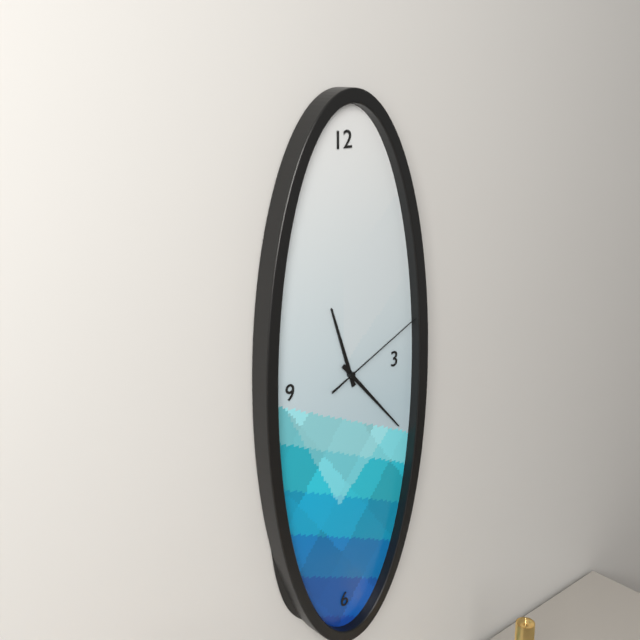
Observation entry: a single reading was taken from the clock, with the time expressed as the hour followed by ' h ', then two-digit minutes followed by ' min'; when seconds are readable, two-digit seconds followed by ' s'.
11 h 23 min 11 s
